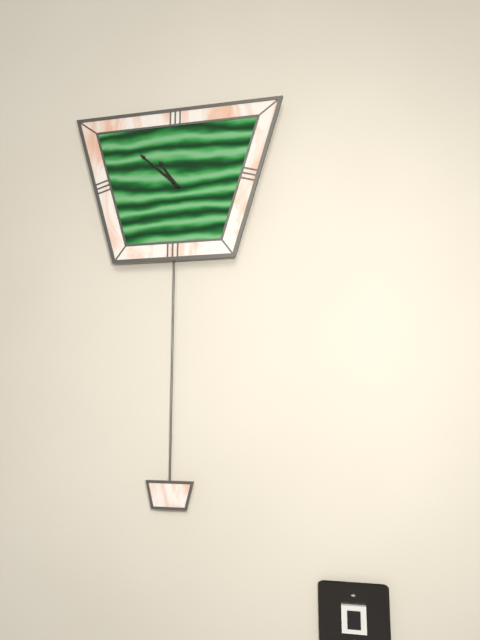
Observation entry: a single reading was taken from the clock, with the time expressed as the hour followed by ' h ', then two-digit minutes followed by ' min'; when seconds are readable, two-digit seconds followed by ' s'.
10 h 52 min
